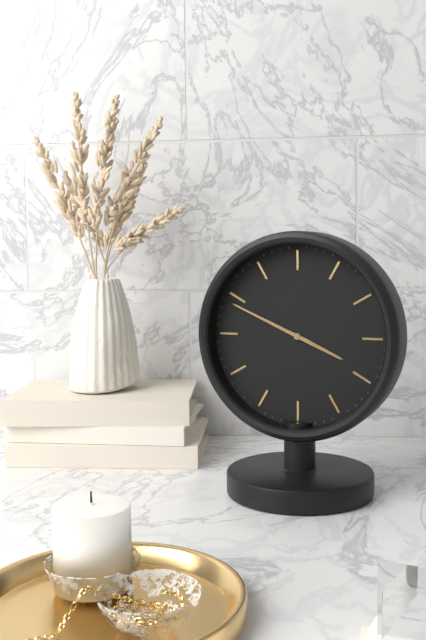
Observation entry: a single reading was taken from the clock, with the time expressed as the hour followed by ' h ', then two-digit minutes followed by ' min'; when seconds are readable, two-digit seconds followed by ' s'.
3 h 49 min
